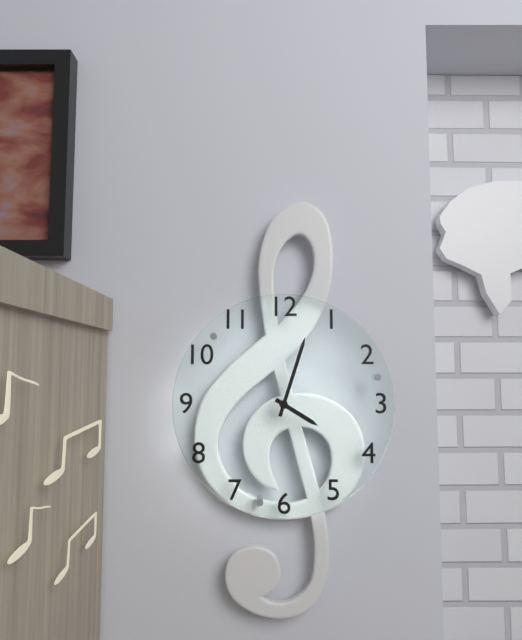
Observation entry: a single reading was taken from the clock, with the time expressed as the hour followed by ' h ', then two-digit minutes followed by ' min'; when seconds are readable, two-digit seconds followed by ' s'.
4 h 03 min
